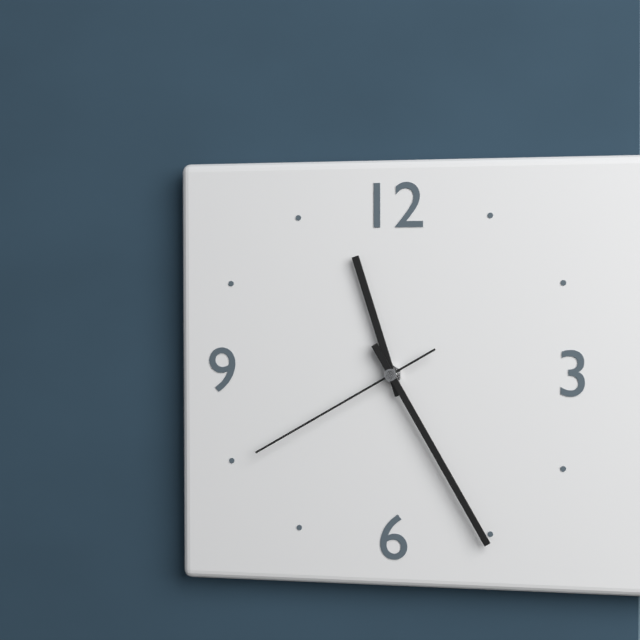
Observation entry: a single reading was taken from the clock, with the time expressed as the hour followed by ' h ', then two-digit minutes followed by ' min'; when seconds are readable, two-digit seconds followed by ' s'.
11 h 25 min 40 s
